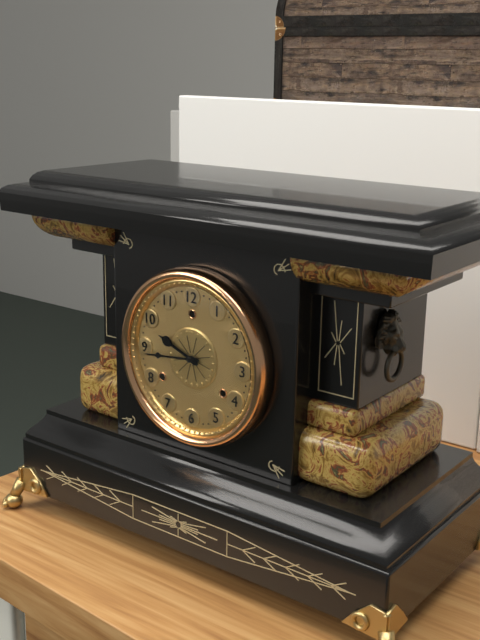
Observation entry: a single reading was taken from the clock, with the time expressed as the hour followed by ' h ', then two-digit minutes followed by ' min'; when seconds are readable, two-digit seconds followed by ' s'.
9 h 44 min
